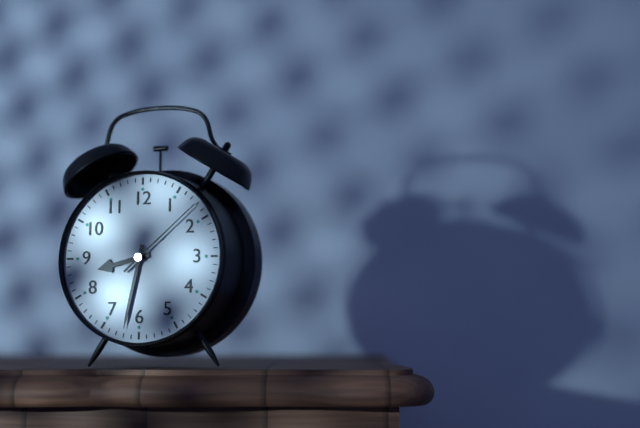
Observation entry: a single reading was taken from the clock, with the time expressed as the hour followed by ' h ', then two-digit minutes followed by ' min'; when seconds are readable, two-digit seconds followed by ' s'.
8 h 32 min 08 s
